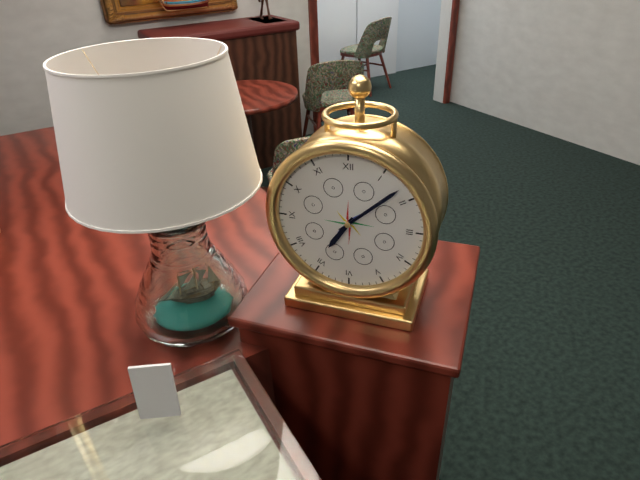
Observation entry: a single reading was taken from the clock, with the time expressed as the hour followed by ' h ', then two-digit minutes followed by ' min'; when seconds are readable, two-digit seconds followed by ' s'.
7 h 08 min
